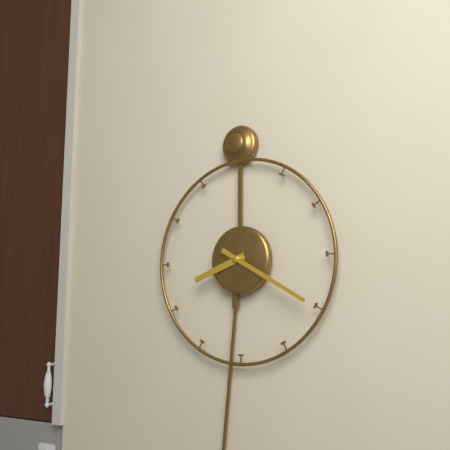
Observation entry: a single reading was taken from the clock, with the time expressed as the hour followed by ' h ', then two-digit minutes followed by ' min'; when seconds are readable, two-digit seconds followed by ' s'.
8 h 20 min
